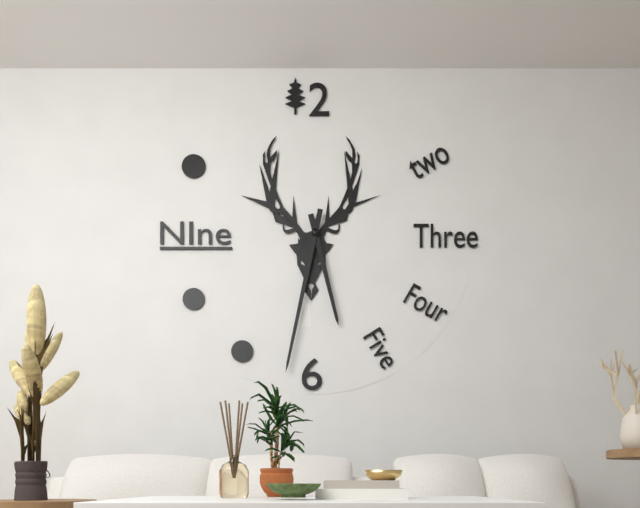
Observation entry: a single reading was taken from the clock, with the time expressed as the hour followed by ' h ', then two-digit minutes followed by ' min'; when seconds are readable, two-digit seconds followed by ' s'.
5 h 32 min
